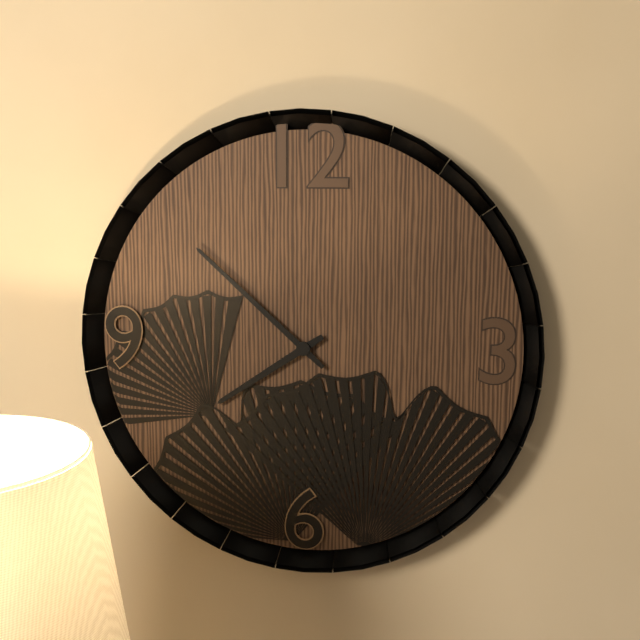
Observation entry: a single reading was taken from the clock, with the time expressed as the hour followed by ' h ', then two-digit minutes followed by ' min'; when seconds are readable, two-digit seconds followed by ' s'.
7 h 52 min
